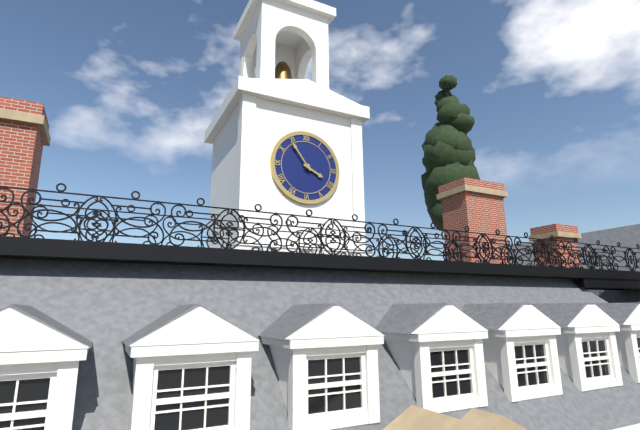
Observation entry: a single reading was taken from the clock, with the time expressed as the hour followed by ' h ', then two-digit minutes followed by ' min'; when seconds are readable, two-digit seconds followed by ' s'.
3 h 54 min
